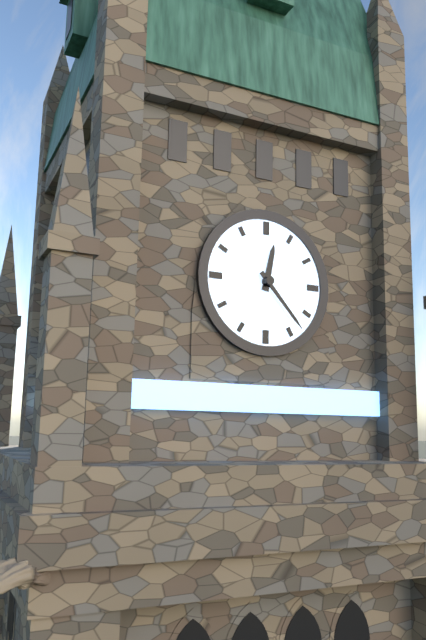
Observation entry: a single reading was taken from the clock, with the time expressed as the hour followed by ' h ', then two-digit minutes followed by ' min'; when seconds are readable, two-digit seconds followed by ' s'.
12 h 23 min
